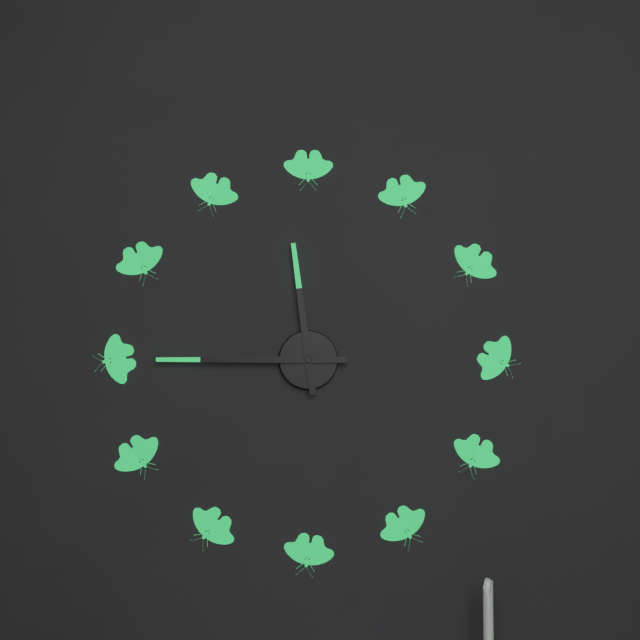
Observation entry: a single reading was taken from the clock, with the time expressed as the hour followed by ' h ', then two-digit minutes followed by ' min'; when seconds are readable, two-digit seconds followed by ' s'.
11 h 45 min
